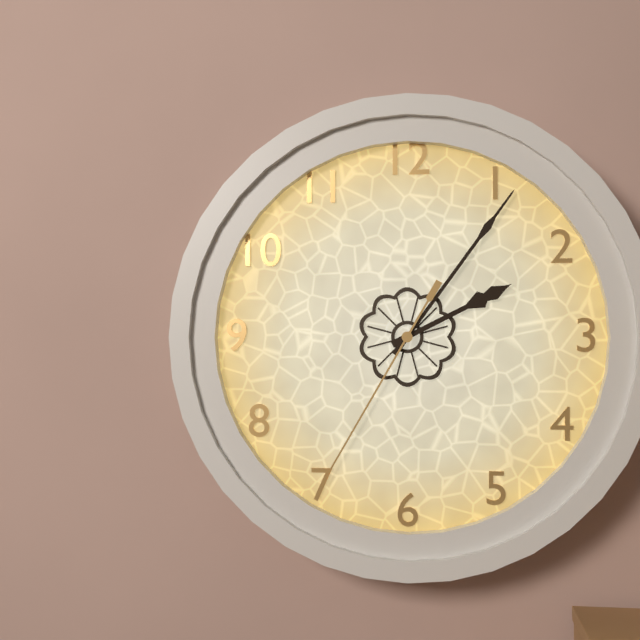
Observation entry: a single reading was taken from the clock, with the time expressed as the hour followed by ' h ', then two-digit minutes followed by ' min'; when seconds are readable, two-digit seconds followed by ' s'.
2 h 06 min 35 s
